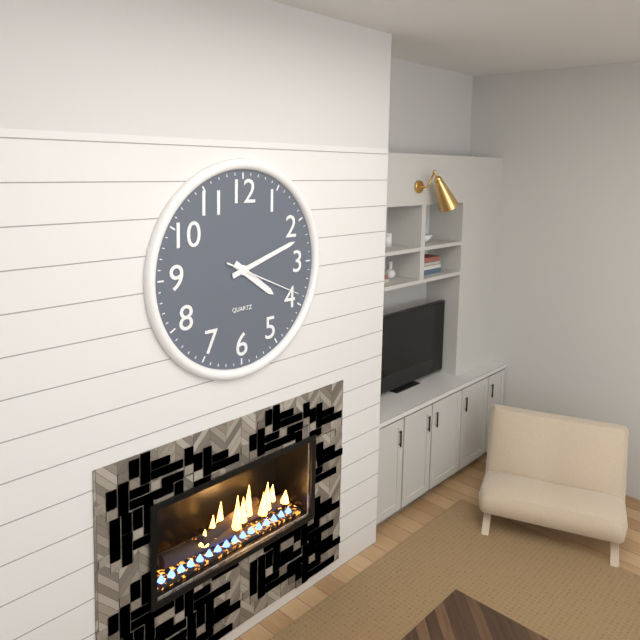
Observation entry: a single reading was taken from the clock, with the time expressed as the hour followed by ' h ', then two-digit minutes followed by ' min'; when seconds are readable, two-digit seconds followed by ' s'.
4 h 12 min 19 s
